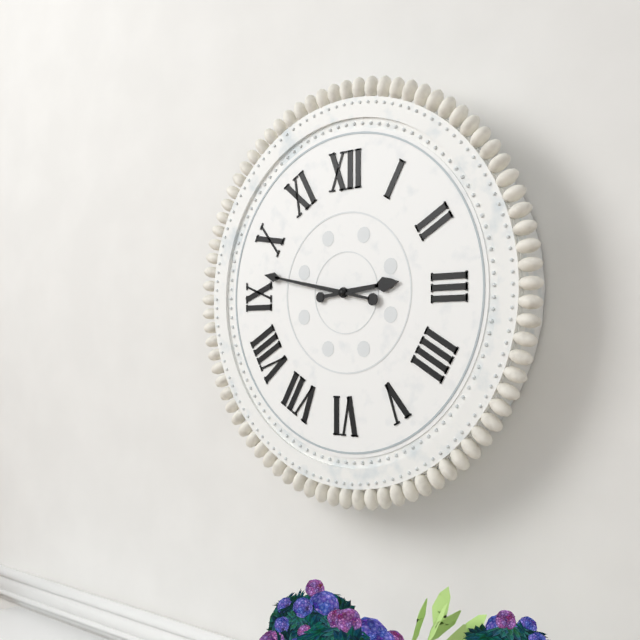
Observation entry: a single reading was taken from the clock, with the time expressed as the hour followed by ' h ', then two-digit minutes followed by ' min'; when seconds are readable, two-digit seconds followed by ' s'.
2 h 47 min
